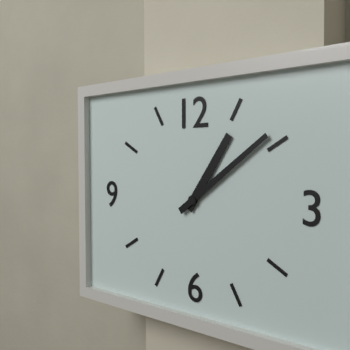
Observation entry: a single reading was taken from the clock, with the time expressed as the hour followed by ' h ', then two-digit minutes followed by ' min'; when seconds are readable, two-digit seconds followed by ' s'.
1 h 09 min
